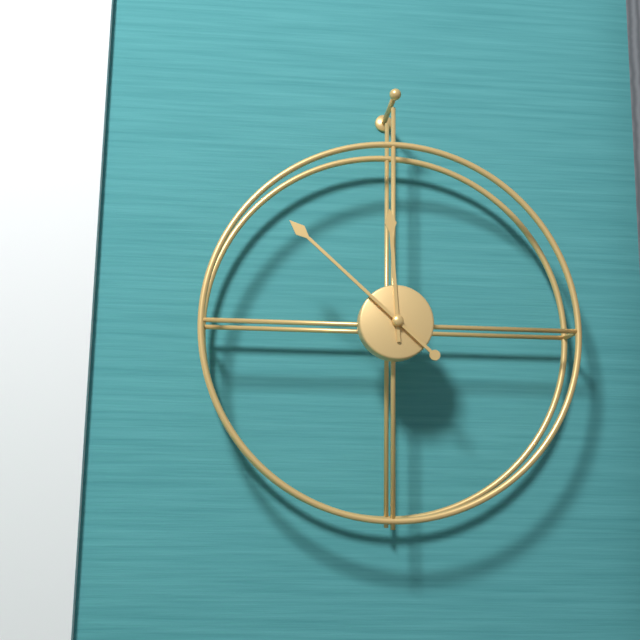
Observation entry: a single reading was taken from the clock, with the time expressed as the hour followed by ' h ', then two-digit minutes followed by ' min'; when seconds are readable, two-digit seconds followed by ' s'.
11 h 52 min
